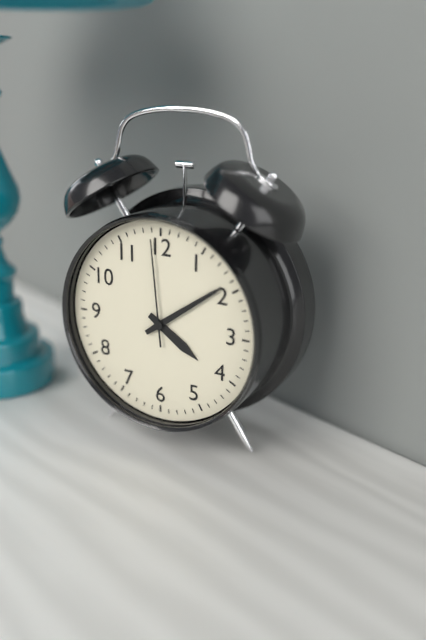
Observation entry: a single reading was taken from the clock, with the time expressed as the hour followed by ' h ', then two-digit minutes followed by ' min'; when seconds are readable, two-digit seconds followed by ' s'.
4 h 09 min 59 s
